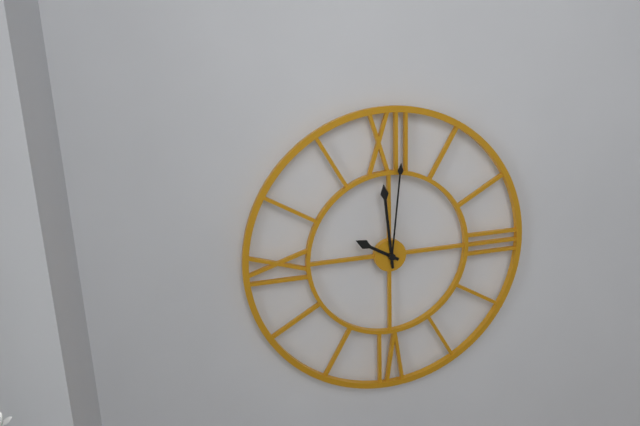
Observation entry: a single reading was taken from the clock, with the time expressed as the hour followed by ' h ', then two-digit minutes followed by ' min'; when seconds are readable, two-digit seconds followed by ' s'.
9 h 59 min 01 s
